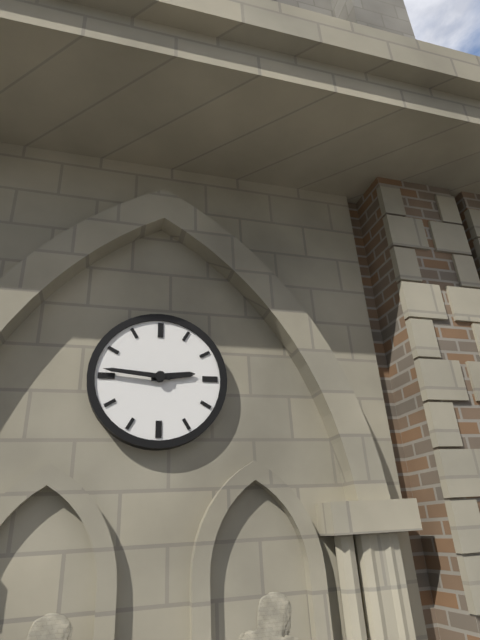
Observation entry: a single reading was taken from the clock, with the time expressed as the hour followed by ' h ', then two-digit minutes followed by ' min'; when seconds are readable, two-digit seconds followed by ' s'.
2 h 46 min
